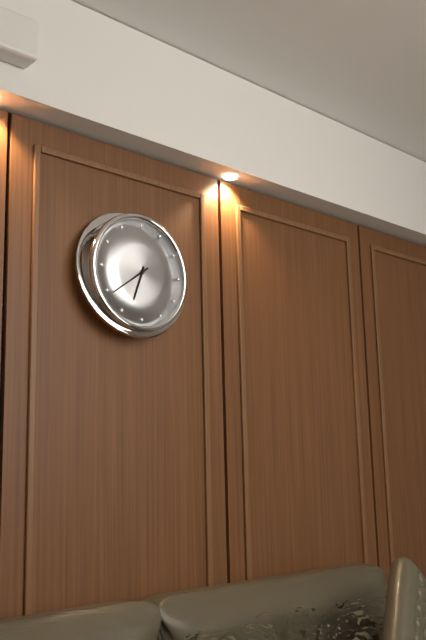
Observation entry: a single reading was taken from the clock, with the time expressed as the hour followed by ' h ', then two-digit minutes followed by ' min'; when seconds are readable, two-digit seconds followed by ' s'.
6 h 39 min
